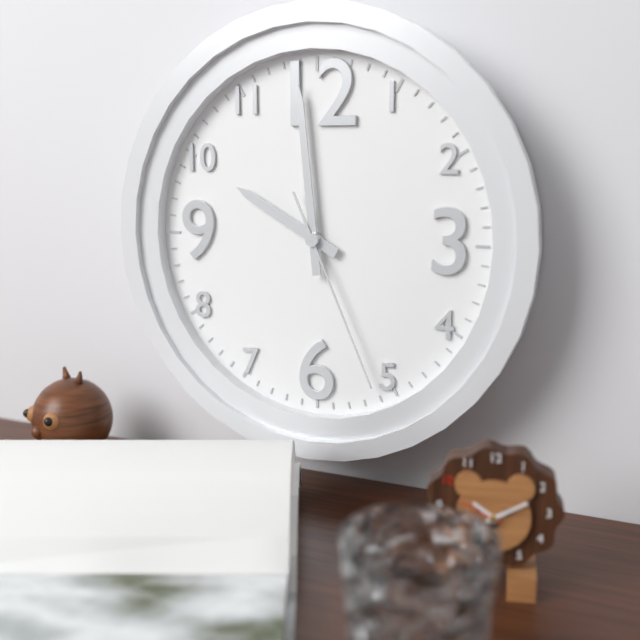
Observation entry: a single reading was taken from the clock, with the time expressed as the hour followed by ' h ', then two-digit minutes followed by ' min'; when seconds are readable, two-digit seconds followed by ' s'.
9 h 59 min 26 s
